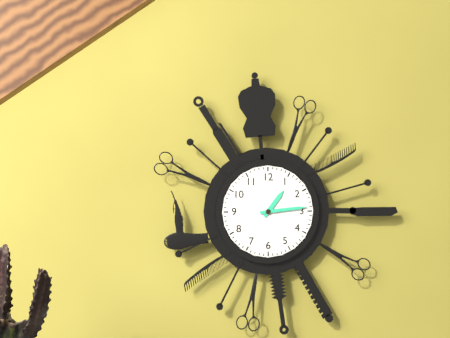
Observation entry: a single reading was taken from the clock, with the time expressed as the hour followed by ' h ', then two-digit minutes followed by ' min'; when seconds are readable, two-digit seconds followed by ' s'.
1 h 14 min
